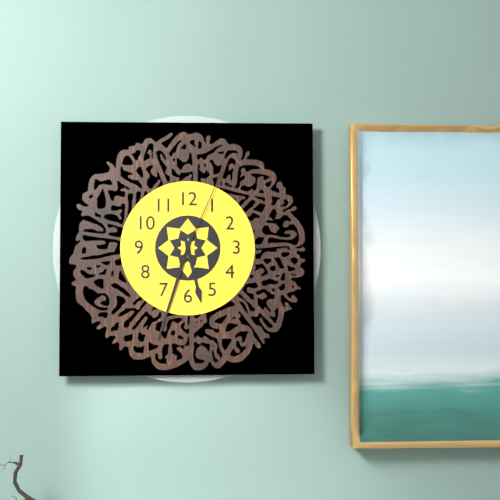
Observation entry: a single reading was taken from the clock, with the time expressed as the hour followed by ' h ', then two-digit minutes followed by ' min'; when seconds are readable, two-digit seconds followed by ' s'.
5 h 33 min 04 s
